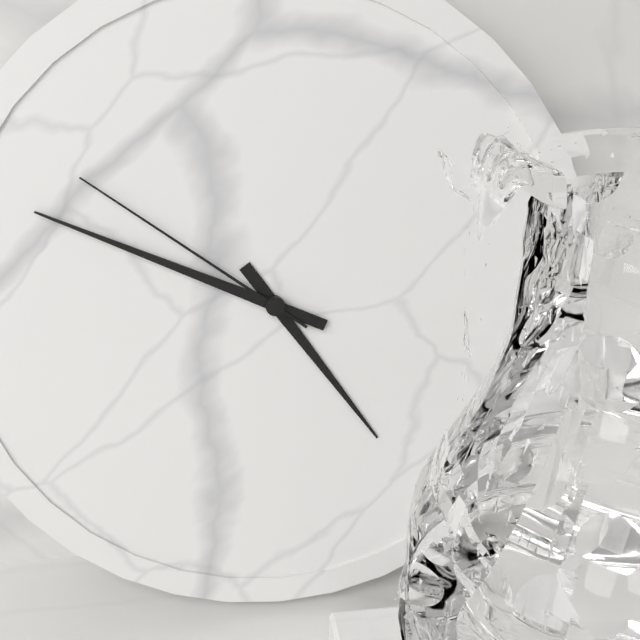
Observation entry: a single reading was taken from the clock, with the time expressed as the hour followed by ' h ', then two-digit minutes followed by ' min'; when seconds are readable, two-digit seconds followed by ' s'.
4 h 49 min 51 s
